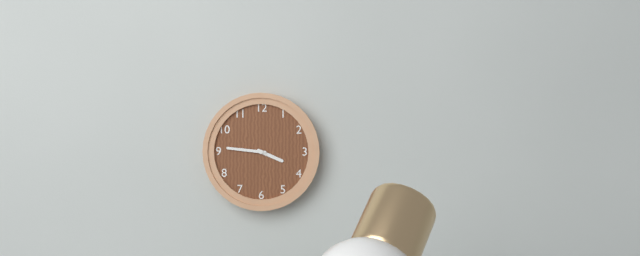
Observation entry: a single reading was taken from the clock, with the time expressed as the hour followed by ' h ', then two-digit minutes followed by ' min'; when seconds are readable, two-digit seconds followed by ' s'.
3 h 46 min
